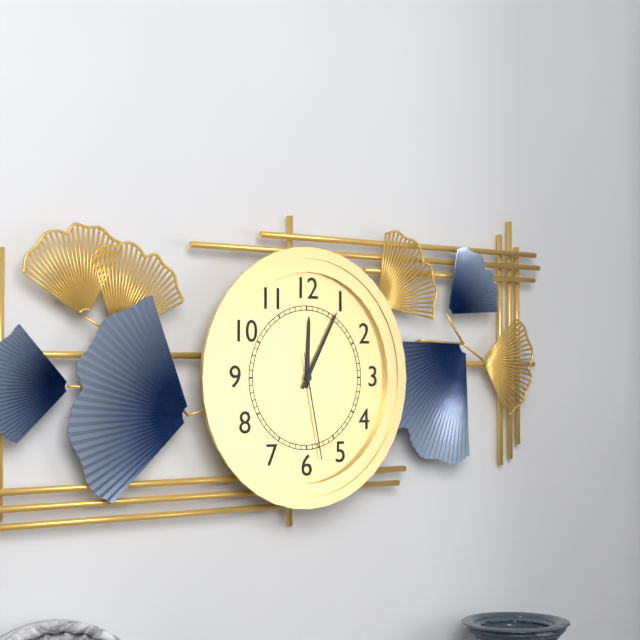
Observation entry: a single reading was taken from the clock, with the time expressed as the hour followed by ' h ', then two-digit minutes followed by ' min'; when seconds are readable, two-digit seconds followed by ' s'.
12 h 05 min 28 s
